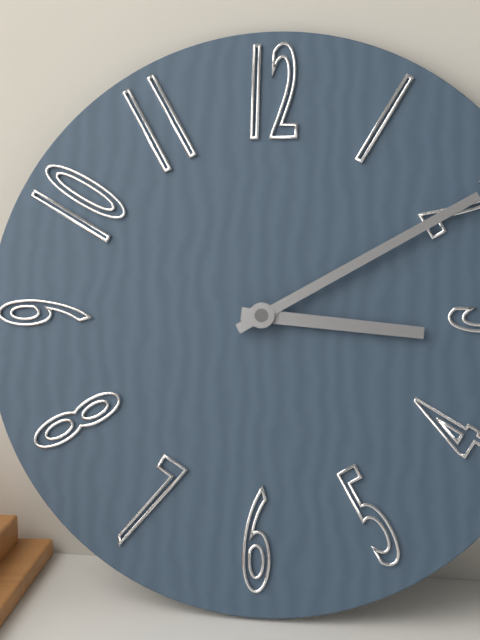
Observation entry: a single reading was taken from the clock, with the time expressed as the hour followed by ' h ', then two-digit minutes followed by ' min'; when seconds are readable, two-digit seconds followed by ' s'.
3 h 10 min
